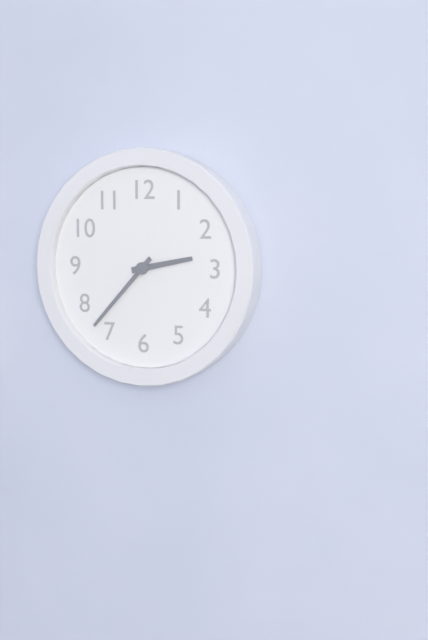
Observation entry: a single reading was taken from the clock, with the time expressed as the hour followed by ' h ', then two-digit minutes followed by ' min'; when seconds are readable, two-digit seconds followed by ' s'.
2 h 37 min
